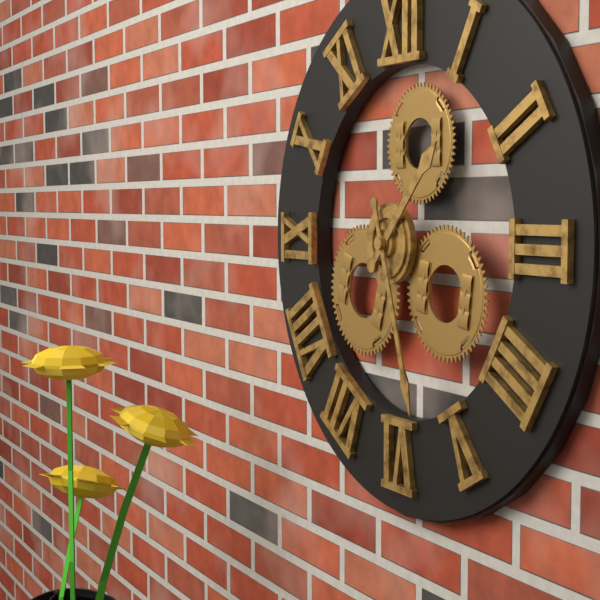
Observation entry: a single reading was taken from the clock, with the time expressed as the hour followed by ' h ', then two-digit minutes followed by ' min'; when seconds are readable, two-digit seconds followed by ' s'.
1 h 27 min
